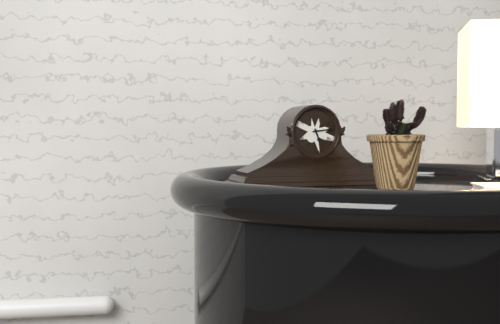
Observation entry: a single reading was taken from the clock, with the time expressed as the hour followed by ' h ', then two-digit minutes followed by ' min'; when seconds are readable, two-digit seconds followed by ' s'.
5 h 14 min
